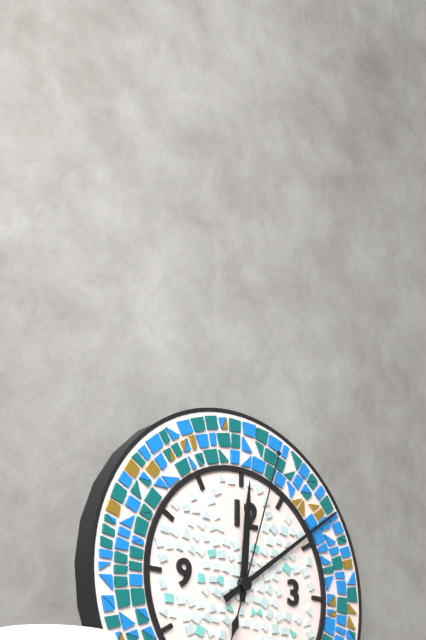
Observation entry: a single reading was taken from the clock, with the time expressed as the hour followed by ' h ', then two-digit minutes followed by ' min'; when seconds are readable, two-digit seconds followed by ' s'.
12 h 09 min 03 s
